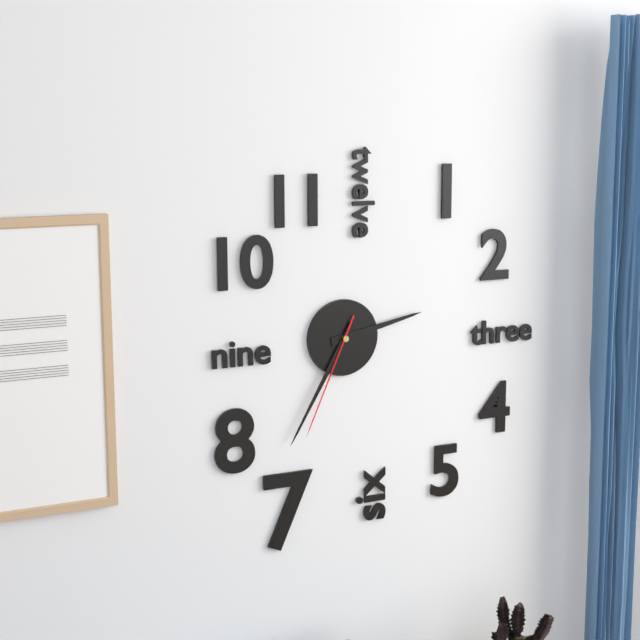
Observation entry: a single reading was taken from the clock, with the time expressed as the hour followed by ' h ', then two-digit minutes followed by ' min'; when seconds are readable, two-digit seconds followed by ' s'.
2 h 35 min 34 s
